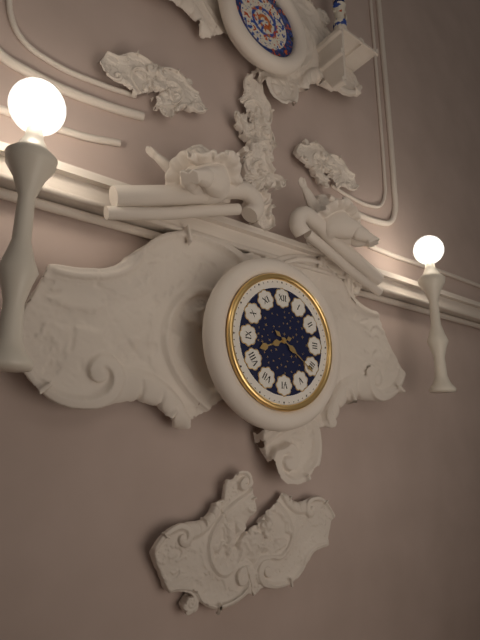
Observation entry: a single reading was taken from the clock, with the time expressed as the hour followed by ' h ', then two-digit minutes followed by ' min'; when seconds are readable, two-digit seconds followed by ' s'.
8 h 21 min
